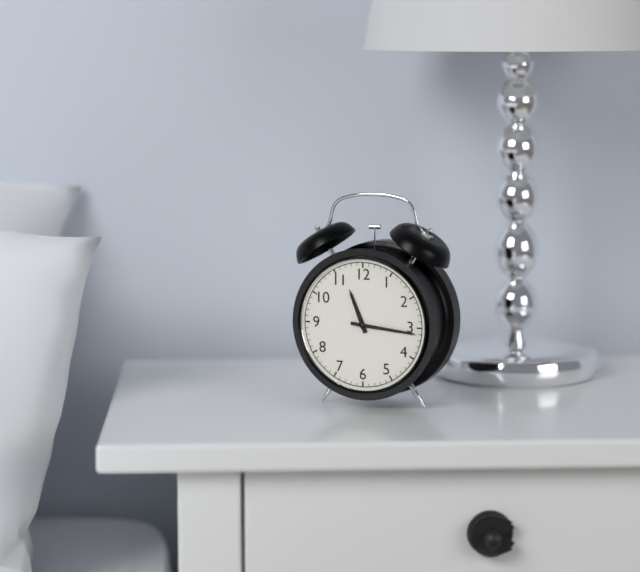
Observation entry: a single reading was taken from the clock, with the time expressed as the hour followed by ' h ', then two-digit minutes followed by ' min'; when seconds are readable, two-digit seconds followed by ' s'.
11 h 16 min
